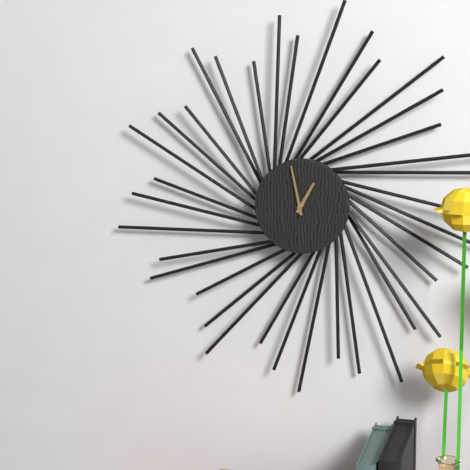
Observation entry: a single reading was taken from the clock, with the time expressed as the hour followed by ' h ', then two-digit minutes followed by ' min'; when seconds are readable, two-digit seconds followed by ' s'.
12 h 58 min
